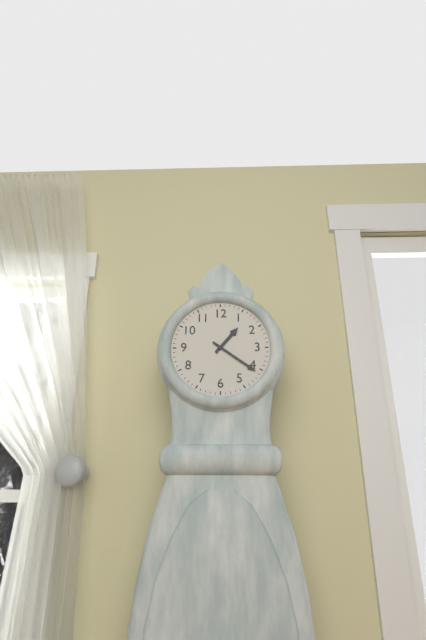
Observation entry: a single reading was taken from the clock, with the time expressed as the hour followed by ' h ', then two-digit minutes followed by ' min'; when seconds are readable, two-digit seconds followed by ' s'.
1 h 21 min
